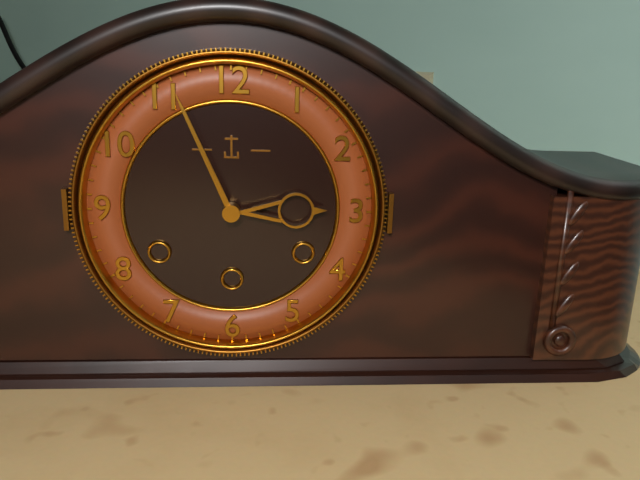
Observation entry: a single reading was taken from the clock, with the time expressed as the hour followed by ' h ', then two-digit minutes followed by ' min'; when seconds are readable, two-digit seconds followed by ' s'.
2 h 56 min
